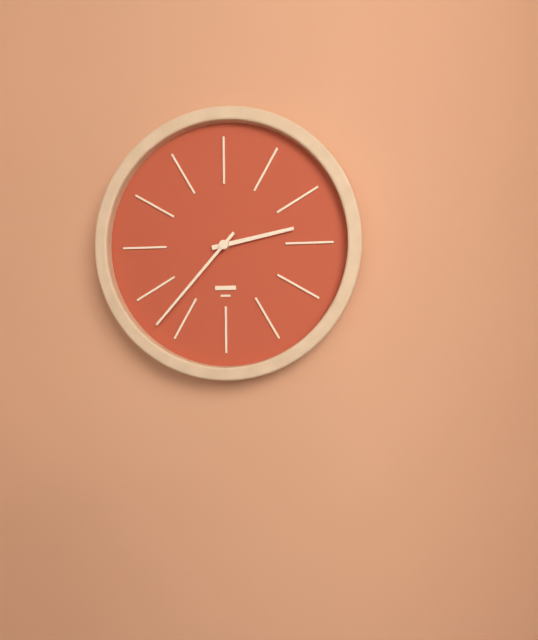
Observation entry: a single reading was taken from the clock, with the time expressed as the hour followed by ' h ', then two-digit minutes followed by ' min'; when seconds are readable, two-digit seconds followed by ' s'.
2 h 37 min
